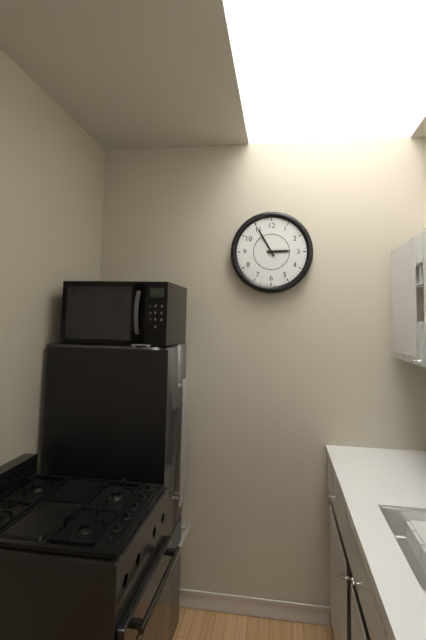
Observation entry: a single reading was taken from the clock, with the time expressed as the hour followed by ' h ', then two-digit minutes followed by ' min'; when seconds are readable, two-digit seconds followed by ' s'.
2 h 55 min
